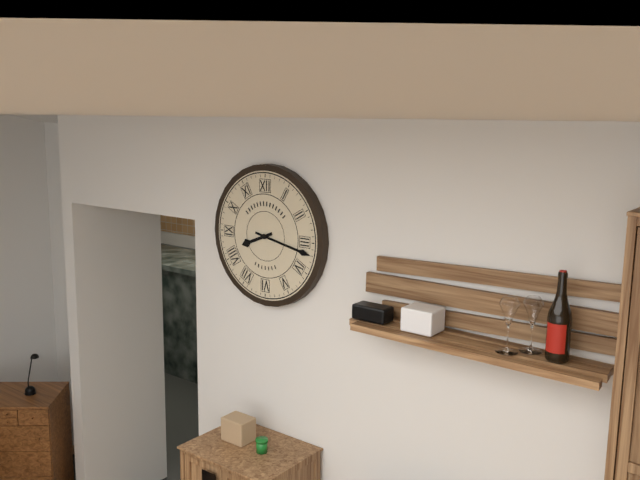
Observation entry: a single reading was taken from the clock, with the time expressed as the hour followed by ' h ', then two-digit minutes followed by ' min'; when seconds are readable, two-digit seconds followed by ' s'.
8 h 17 min
